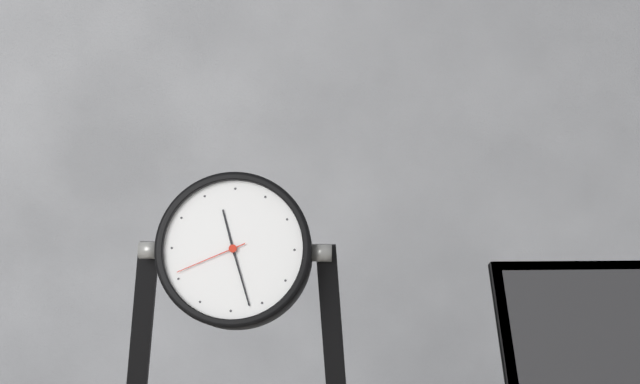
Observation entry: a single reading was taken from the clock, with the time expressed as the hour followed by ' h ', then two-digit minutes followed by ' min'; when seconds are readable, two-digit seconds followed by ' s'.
11 h 27 min 41 s
